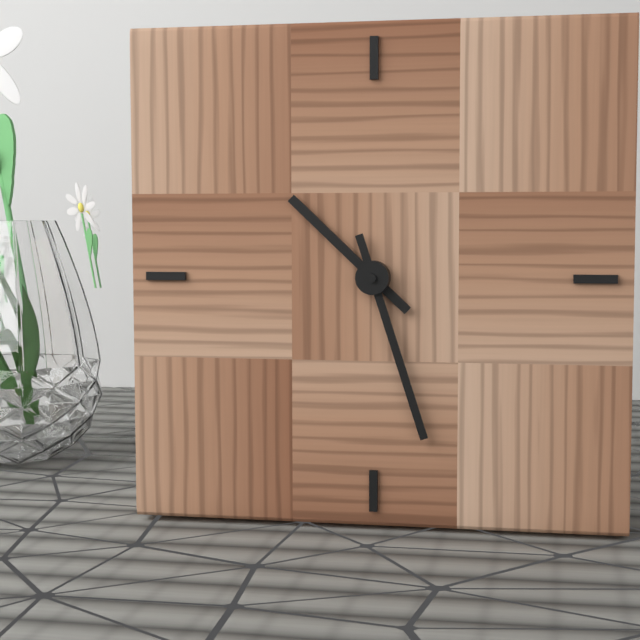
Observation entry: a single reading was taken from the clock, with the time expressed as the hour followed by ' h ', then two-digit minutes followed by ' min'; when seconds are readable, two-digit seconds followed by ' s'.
10 h 27 min
